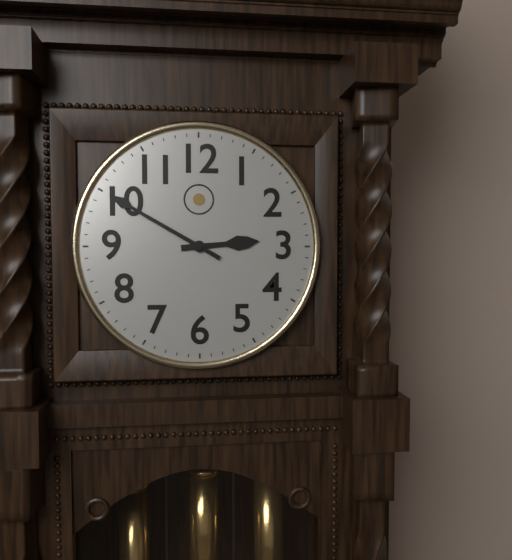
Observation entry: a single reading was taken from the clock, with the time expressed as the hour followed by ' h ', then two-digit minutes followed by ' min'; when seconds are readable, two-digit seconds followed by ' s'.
2 h 50 min
